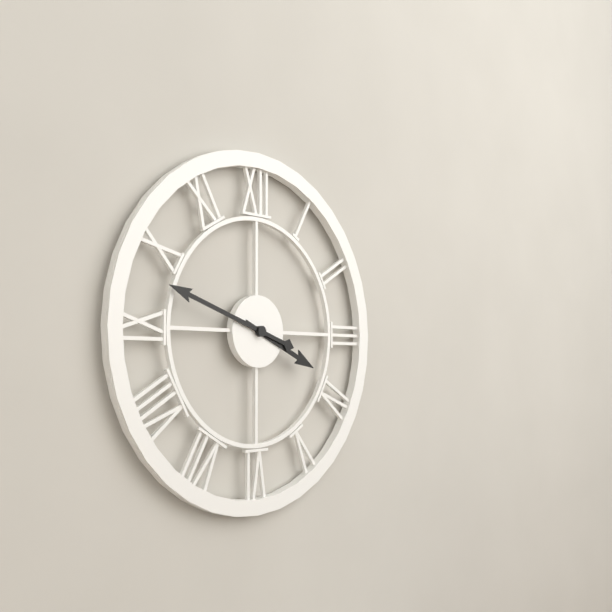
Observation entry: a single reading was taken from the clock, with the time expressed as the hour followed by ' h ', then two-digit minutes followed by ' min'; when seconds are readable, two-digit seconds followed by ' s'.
3 h 48 min
